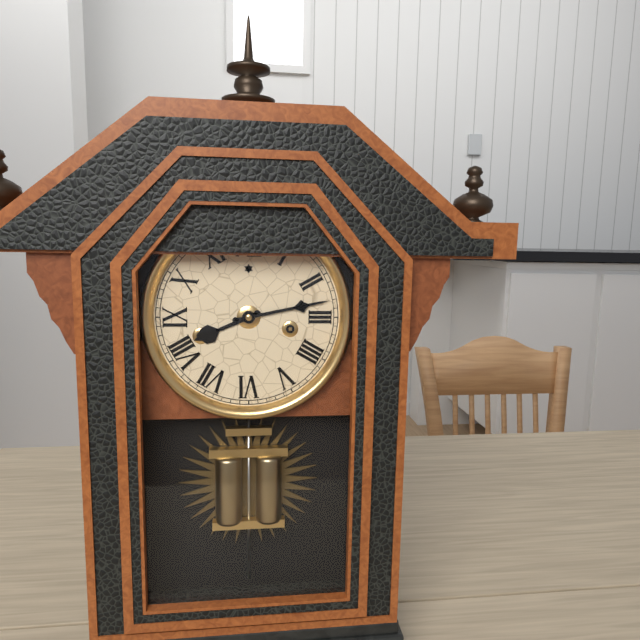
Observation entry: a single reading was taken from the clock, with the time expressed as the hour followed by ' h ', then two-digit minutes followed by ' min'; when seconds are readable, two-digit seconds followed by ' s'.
8 h 13 min
